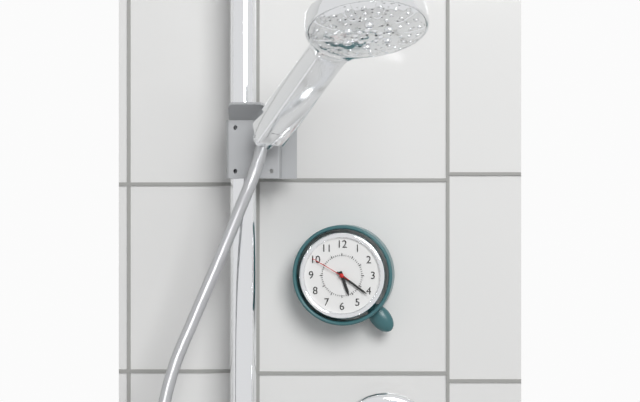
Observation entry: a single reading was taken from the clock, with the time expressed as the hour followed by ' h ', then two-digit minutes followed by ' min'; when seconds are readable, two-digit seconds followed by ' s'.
5 h 21 min
